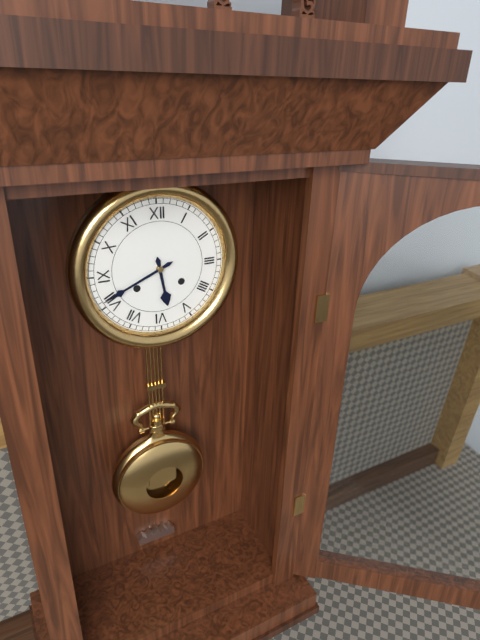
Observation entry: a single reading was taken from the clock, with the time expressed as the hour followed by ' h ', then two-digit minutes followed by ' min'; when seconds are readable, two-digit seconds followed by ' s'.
5 h 41 min
